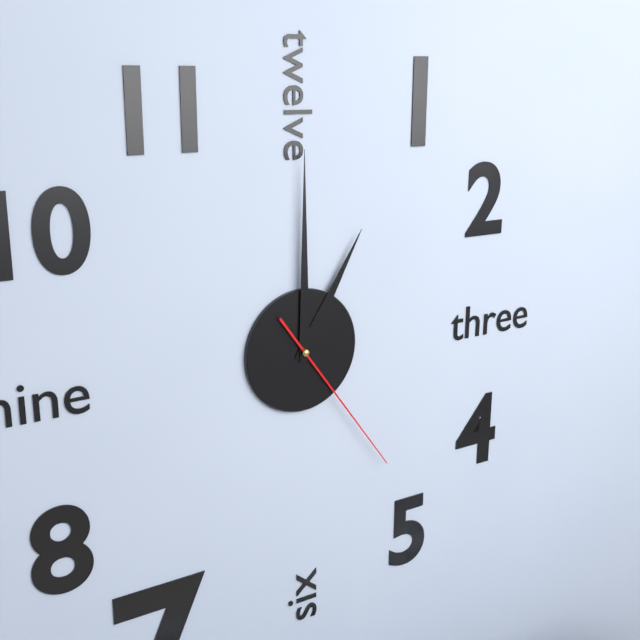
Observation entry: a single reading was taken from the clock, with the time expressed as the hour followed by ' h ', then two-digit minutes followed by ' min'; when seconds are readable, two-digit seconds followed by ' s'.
1 h 00 min 24 s
